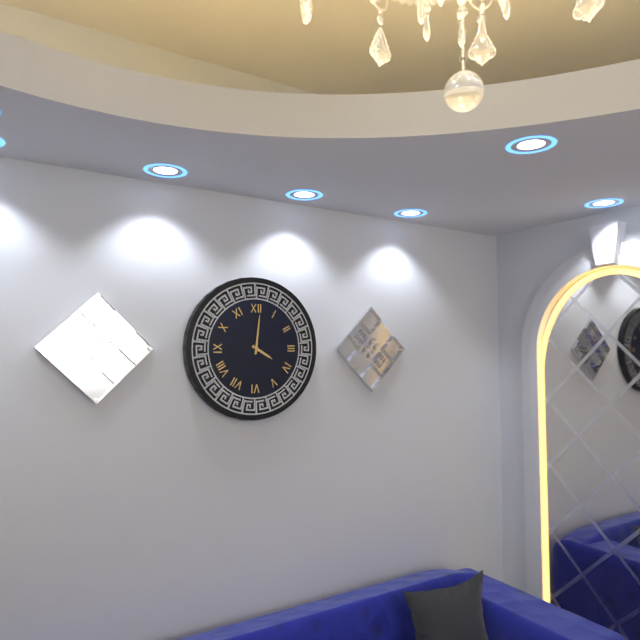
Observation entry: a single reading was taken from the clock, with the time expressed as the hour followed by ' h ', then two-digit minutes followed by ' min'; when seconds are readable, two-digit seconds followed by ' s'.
4 h 01 min
